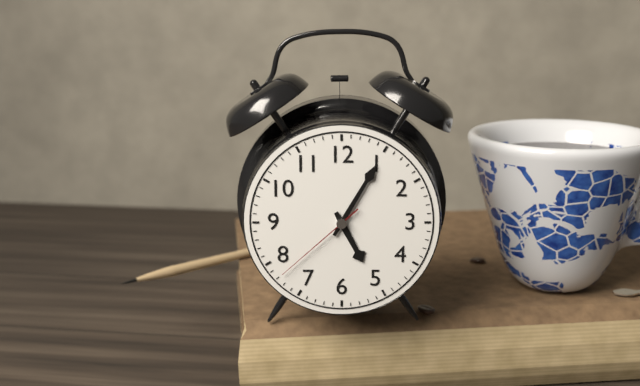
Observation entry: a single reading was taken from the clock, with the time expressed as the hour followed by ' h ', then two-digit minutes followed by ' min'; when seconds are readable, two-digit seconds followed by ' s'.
5 h 05 min 38 s
